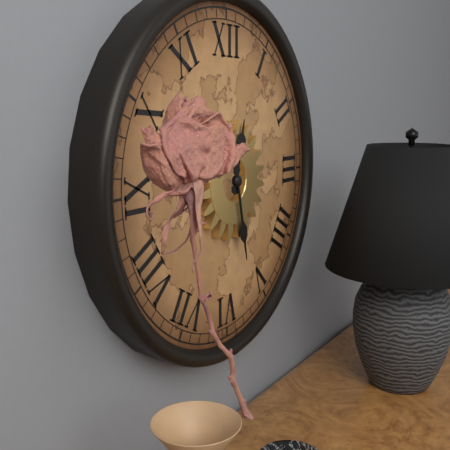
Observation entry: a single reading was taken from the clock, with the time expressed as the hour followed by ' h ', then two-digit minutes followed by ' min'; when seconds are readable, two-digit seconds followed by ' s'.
12 h 28 min
